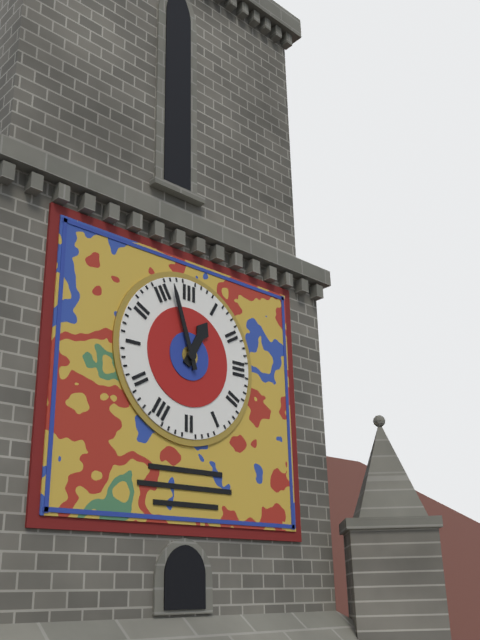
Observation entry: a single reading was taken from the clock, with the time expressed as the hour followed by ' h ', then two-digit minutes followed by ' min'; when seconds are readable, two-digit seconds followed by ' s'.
12 h 57 min
